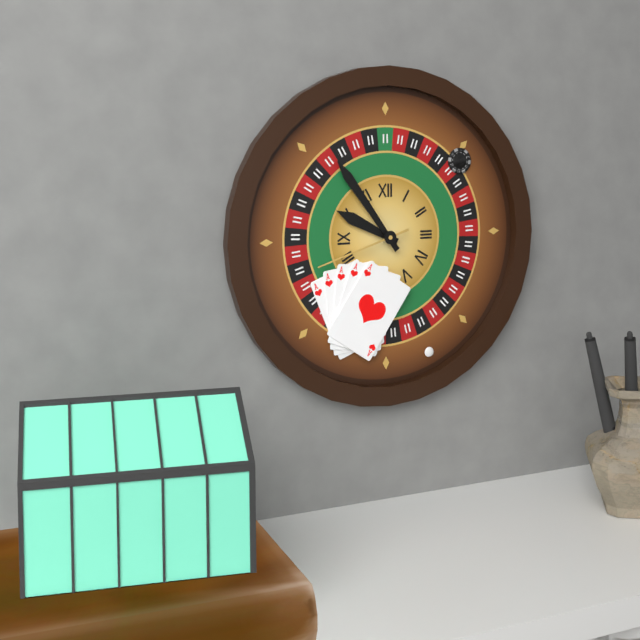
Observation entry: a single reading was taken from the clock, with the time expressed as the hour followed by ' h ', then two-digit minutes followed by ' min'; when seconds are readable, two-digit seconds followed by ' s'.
9 h 54 min 42 s
